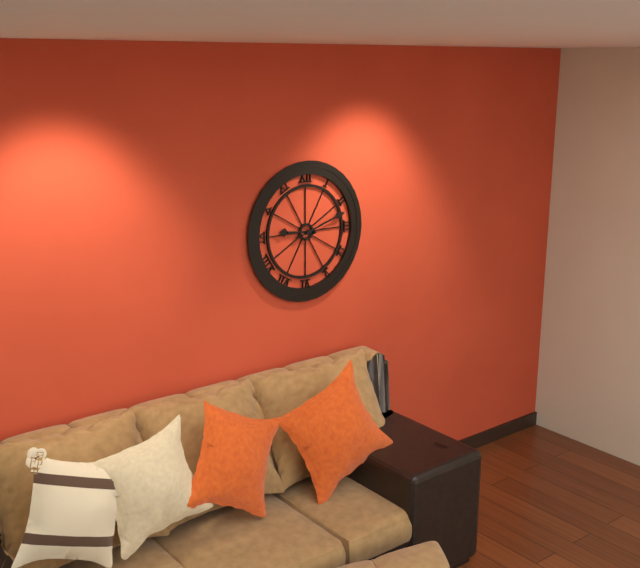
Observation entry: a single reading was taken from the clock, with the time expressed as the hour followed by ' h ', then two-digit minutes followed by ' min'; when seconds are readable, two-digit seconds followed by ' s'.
9 h 12 min
